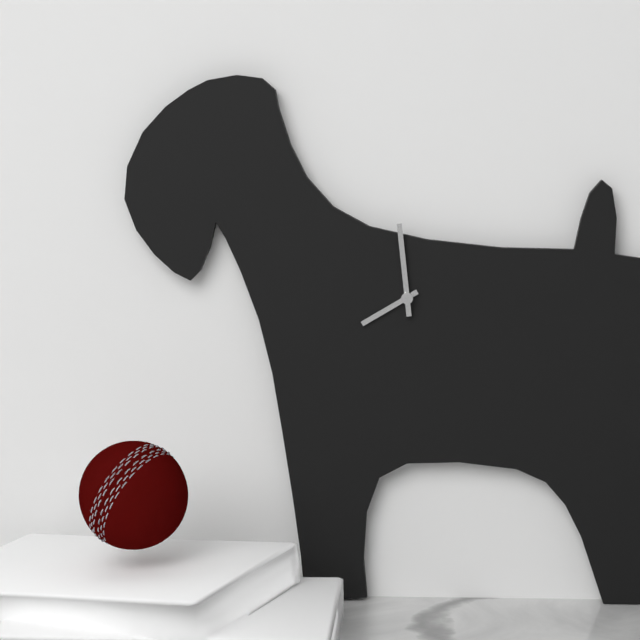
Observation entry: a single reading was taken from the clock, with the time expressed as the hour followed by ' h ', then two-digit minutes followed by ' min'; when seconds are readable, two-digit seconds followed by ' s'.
7 h 59 min
